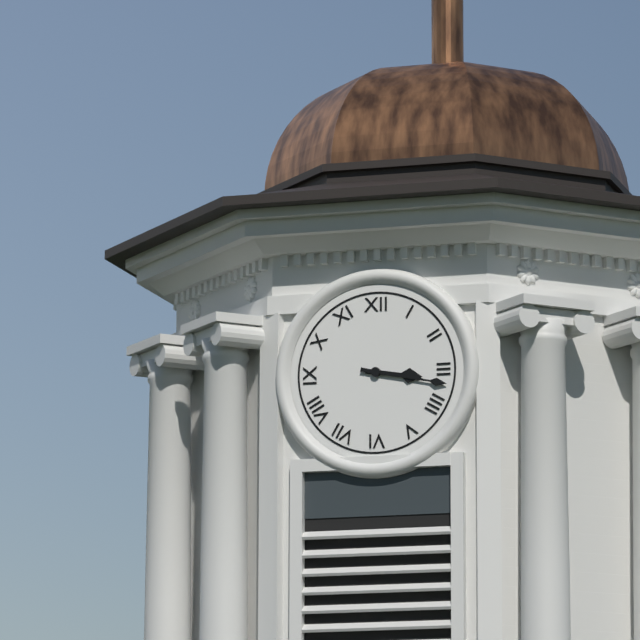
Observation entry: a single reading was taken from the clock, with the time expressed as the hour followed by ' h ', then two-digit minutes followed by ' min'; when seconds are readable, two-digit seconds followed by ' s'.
3 h 17 min
